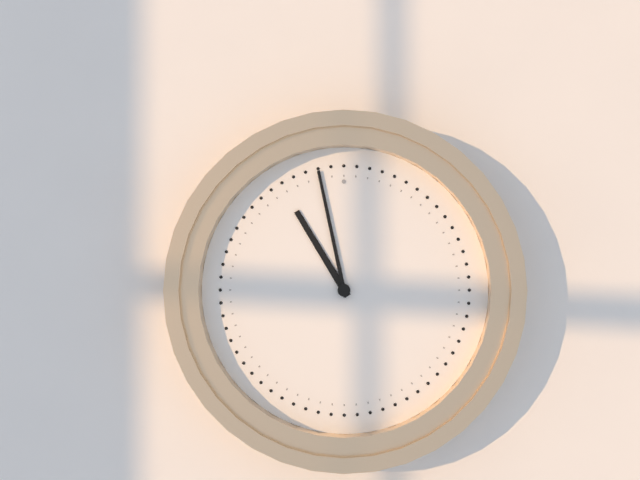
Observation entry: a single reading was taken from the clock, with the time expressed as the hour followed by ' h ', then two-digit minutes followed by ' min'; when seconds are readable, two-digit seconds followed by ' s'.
10 h 58 min
